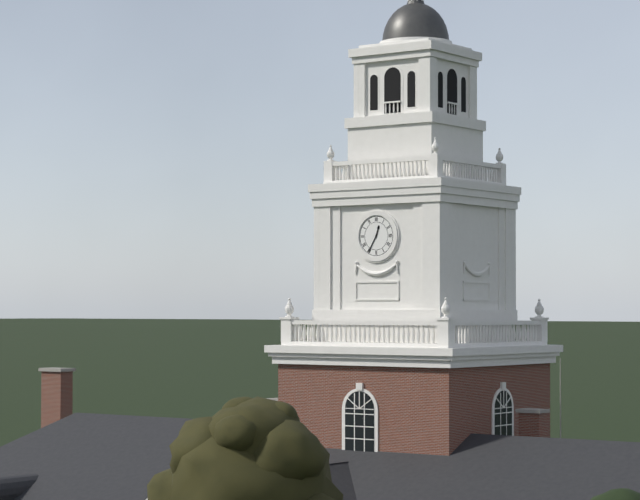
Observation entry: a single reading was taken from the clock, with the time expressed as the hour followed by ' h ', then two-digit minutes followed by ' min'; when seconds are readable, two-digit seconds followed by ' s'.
12 h 35 min
